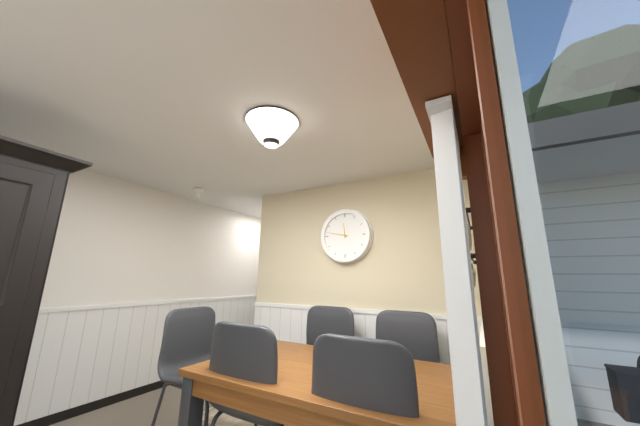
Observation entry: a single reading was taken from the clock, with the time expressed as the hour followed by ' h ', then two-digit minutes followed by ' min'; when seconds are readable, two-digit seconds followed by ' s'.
11 h 47 min
